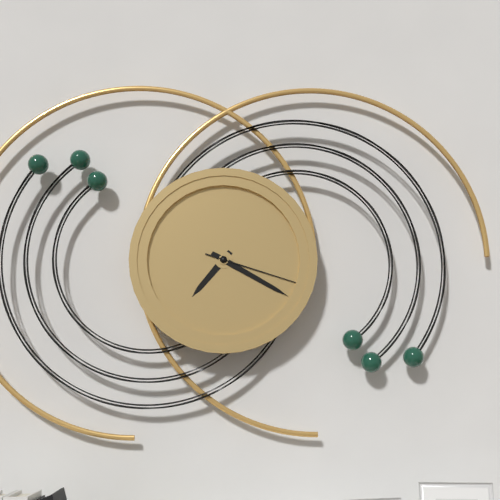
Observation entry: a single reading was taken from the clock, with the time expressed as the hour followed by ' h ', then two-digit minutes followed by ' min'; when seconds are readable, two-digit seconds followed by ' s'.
7 h 20 min 18 s
